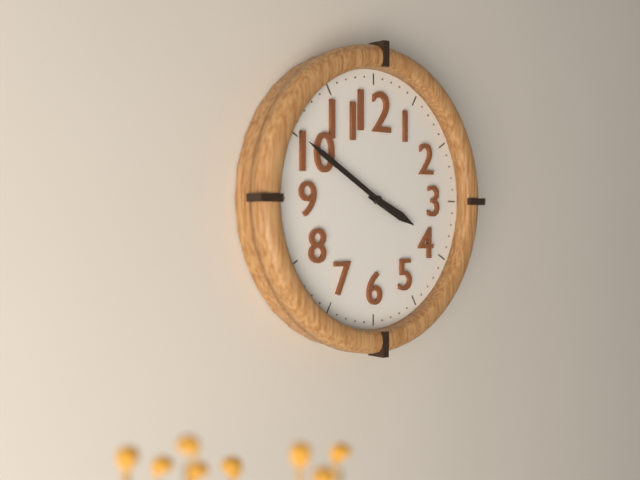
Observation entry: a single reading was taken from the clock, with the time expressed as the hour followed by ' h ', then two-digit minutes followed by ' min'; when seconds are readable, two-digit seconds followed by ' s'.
3 h 50 min
